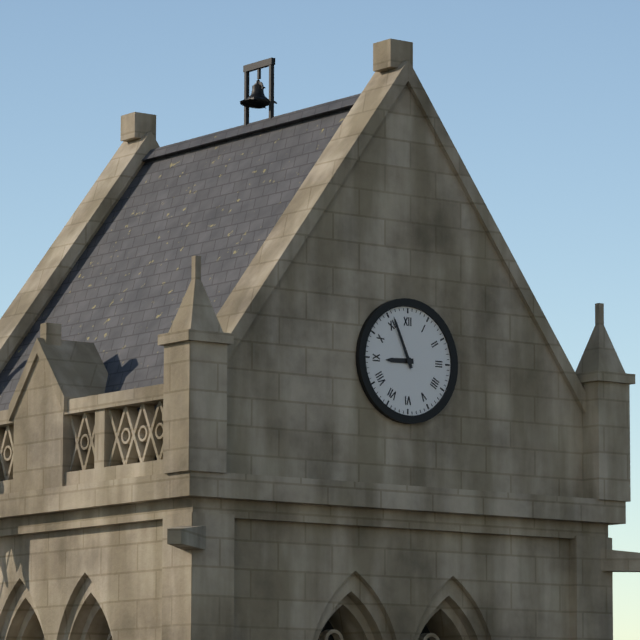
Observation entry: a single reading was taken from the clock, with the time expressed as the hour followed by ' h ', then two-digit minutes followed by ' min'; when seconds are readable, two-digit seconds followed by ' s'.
8 h 56 min
